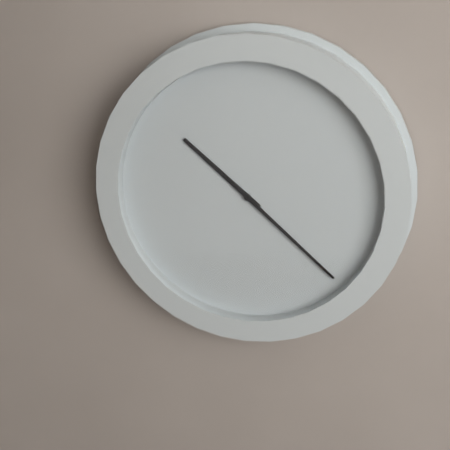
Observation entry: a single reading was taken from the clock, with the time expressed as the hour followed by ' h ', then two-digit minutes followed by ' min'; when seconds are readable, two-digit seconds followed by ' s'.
10 h 22 min
